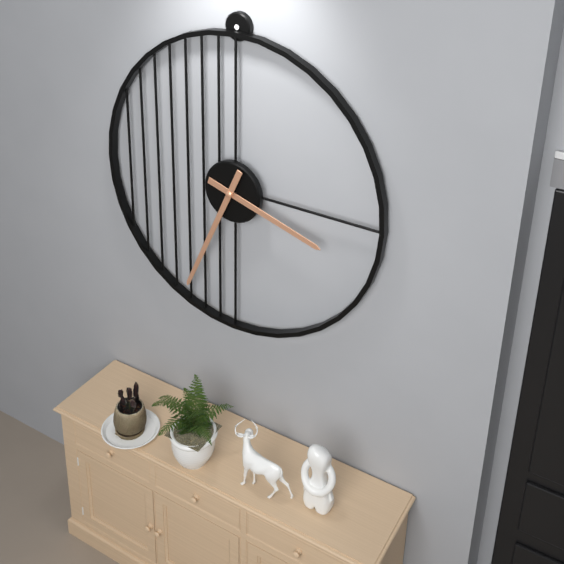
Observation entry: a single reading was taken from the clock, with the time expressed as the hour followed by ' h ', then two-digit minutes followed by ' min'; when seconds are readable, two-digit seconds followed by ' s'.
3 h 34 min
